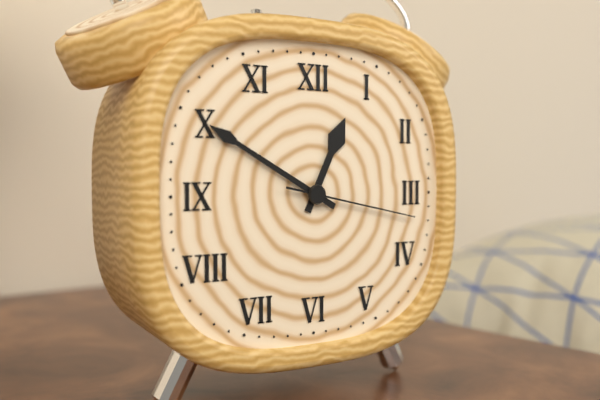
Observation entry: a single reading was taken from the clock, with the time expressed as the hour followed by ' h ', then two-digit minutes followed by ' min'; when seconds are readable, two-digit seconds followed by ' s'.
12 h 50 min 17 s
